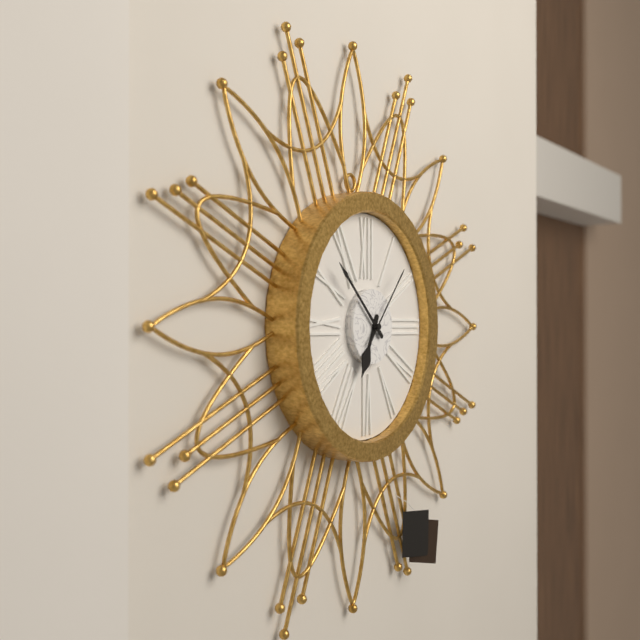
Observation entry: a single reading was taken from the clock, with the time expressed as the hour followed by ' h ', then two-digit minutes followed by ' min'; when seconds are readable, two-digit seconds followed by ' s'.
6 h 52 min 07 s
